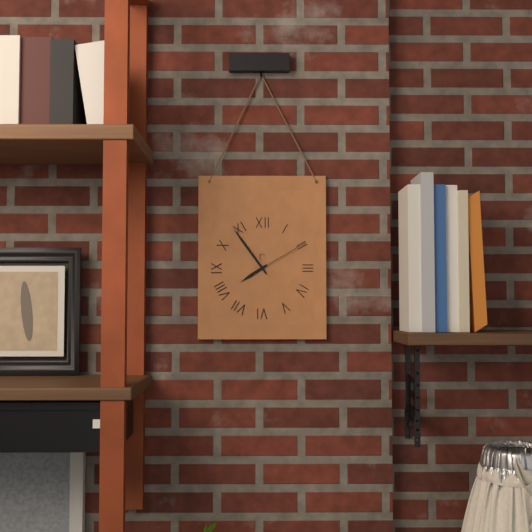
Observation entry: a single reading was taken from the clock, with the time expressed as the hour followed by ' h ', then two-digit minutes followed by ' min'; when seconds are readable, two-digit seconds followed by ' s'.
7 h 54 min 10 s
